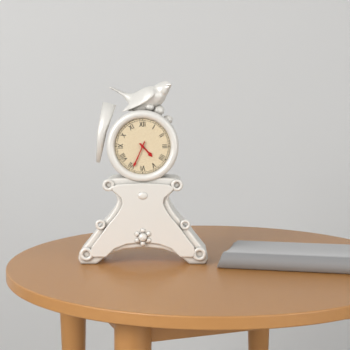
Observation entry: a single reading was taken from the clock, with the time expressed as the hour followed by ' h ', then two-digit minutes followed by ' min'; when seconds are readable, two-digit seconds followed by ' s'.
4 h 34 min
